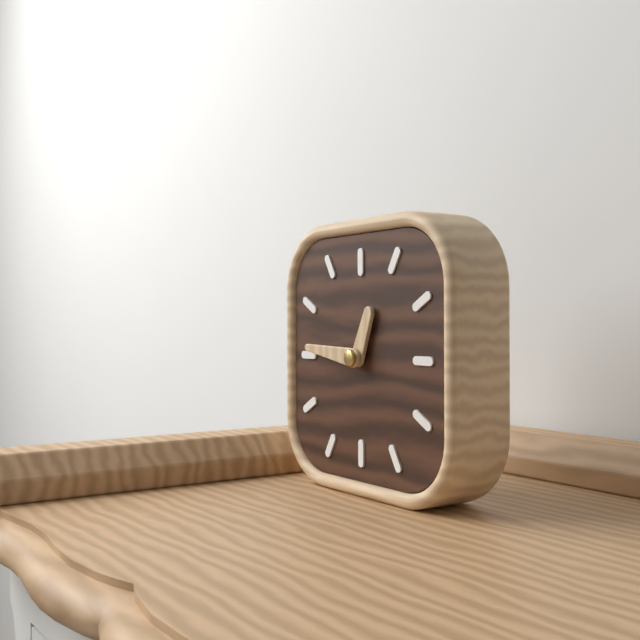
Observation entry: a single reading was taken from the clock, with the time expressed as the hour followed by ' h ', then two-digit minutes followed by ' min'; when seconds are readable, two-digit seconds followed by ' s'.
12 h 46 min
